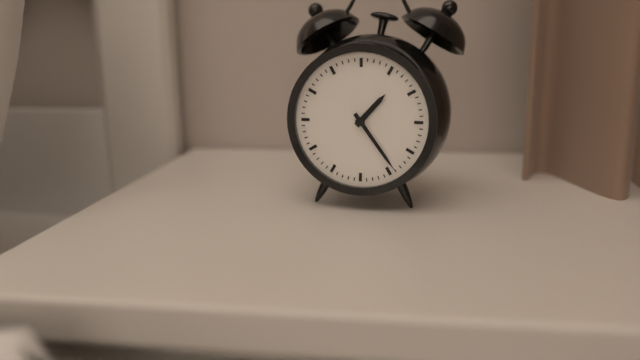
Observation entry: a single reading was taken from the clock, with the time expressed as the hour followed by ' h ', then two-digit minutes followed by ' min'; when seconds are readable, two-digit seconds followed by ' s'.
1 h 24 min
